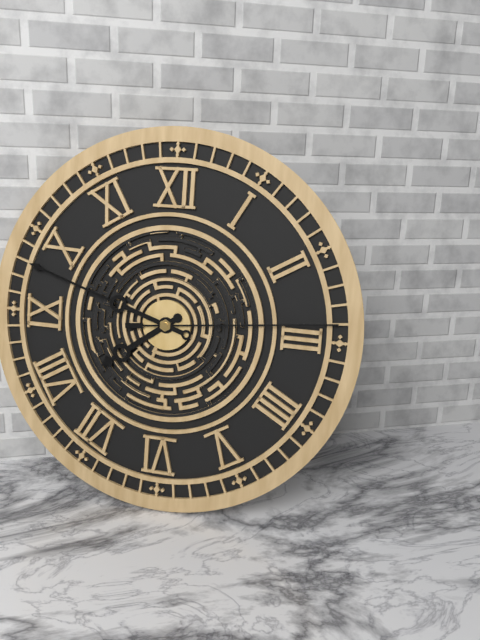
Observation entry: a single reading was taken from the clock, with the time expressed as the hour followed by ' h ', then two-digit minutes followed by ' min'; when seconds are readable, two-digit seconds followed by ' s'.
7 h 48 min 14 s
